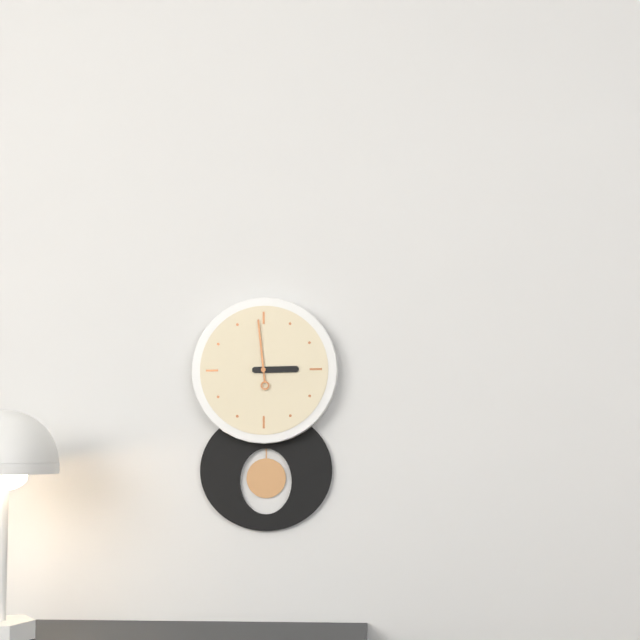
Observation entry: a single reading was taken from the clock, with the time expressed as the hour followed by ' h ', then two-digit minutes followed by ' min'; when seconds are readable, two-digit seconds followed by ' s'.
2 h 59 min
